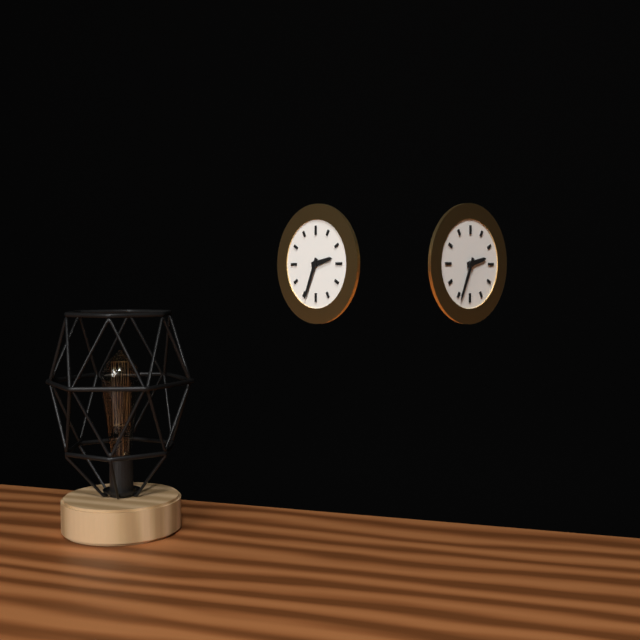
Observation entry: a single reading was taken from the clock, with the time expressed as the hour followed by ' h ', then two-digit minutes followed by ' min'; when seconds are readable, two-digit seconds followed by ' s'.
2 h 34 min
